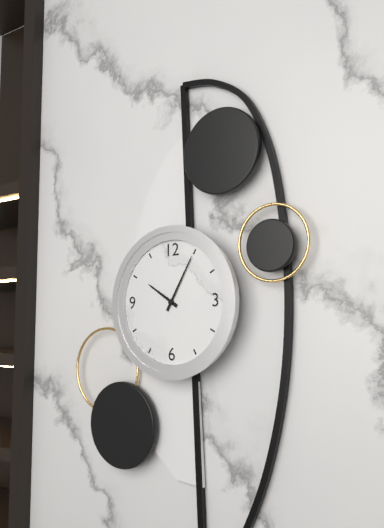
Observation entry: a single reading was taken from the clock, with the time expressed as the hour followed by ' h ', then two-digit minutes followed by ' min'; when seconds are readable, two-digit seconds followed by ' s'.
10 h 05 min
